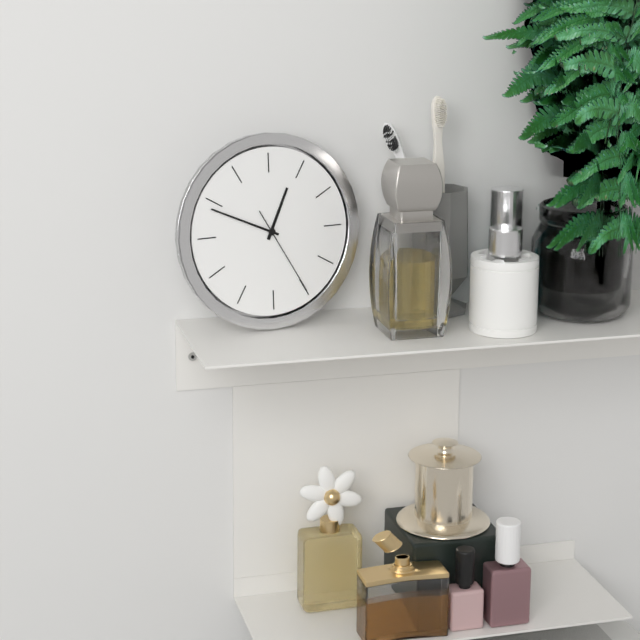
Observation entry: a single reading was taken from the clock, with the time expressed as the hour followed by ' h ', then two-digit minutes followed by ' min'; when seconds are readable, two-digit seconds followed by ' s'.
12 h 49 min 25 s
